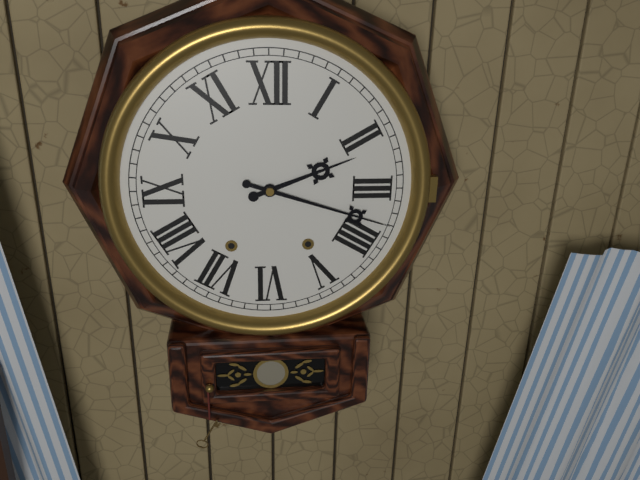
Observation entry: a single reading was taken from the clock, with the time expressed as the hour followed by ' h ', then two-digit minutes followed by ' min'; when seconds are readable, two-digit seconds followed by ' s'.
2 h 18 min
